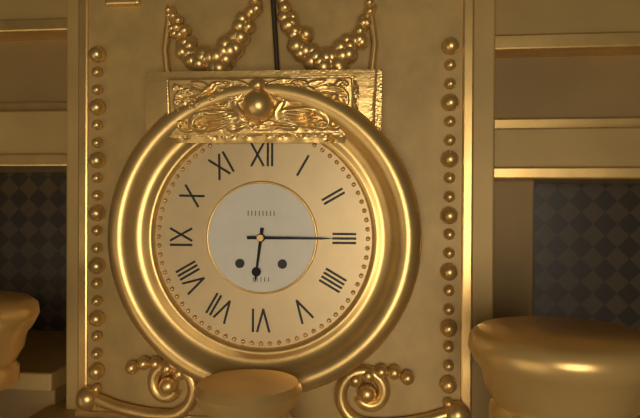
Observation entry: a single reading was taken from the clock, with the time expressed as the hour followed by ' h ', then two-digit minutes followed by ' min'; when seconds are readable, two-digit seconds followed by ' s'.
6 h 15 min
